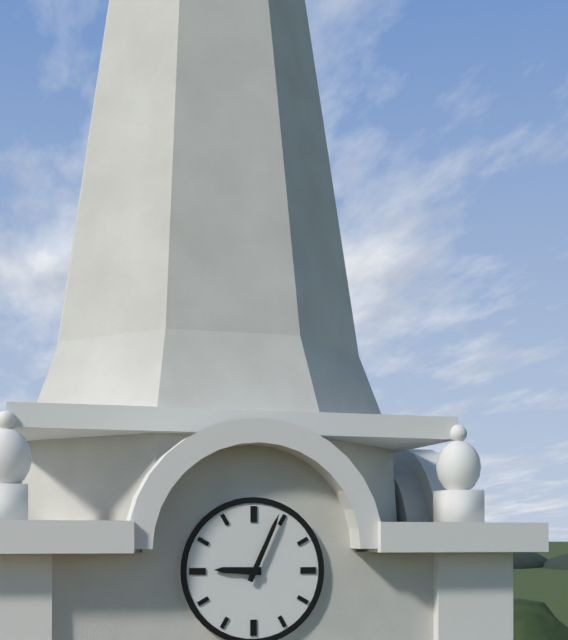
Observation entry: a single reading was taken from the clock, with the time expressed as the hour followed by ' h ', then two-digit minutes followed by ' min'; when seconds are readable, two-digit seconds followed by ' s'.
9 h 04 min
